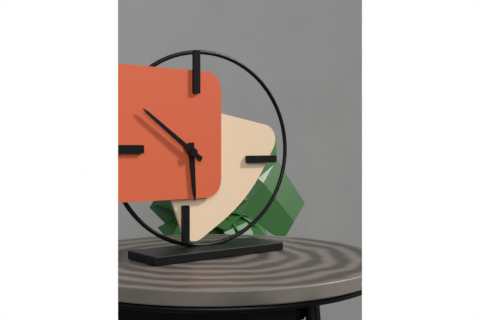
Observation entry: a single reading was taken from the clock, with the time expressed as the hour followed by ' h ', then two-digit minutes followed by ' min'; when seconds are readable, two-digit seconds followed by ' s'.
5 h 51 min
